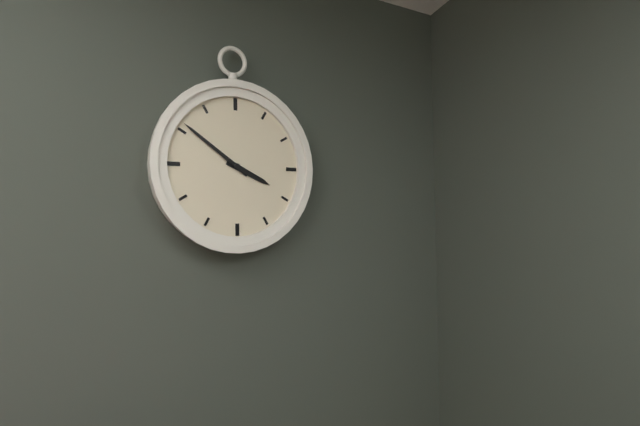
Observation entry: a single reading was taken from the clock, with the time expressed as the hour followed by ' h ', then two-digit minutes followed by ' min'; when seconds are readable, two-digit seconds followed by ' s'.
3 h 51 min
